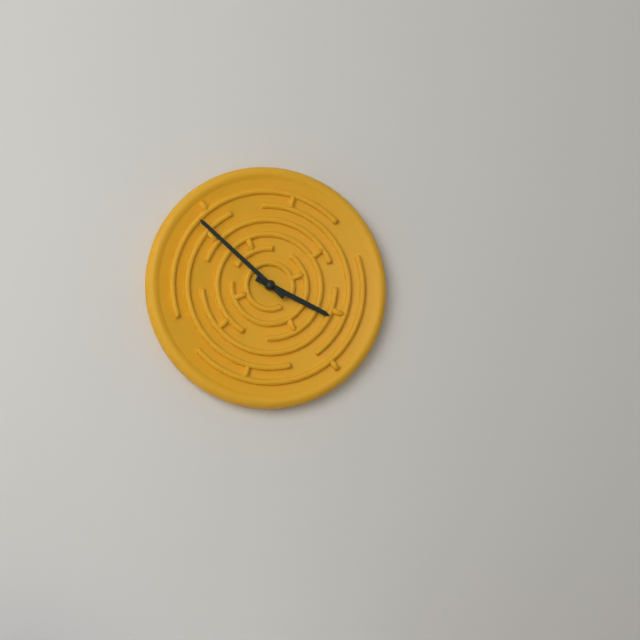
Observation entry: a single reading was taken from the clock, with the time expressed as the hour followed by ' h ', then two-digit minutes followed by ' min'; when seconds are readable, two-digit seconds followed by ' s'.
3 h 52 min
